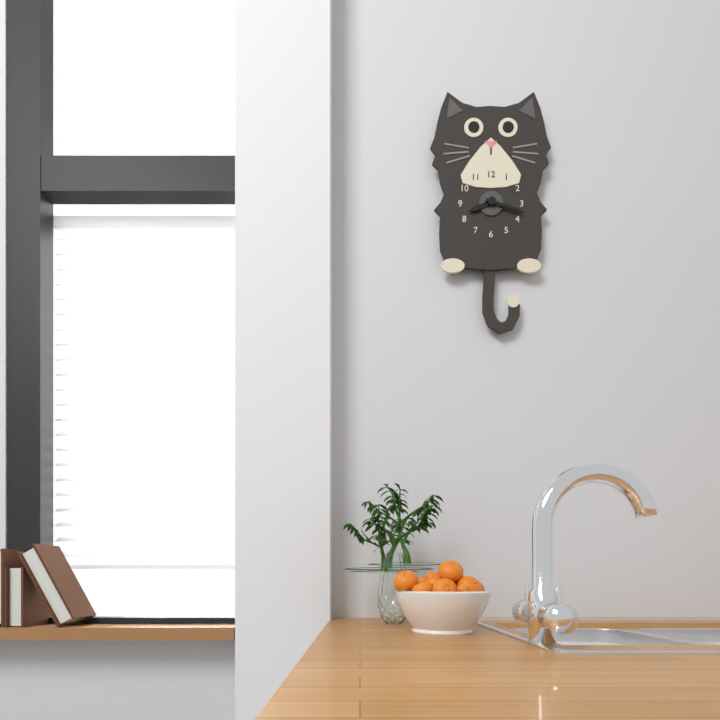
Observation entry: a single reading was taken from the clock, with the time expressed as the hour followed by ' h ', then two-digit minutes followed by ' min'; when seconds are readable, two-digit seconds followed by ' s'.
8 h 18 min
